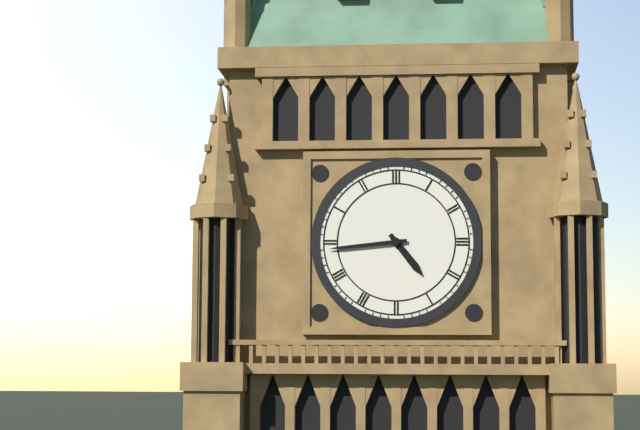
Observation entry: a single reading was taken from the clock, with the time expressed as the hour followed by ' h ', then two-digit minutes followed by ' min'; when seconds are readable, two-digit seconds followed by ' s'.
4 h 44 min
